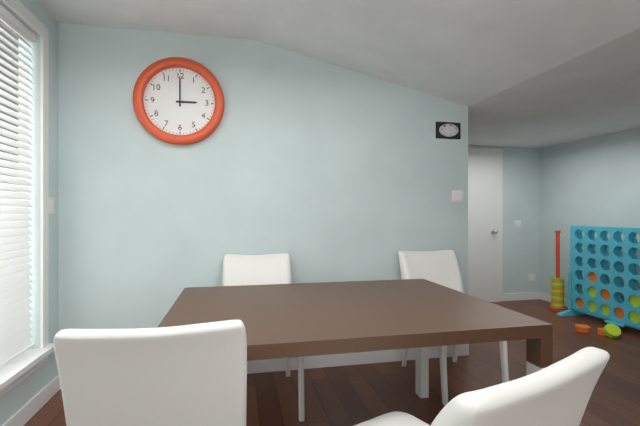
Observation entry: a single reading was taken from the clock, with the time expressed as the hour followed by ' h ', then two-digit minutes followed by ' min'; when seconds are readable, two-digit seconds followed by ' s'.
3 h 00 min
